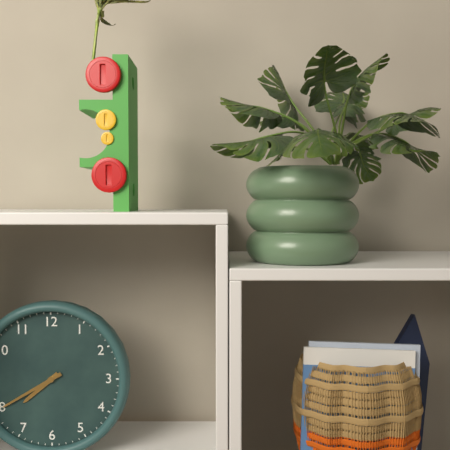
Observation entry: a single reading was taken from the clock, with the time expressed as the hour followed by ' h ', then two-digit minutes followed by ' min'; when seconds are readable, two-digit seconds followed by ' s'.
7 h 40 min
